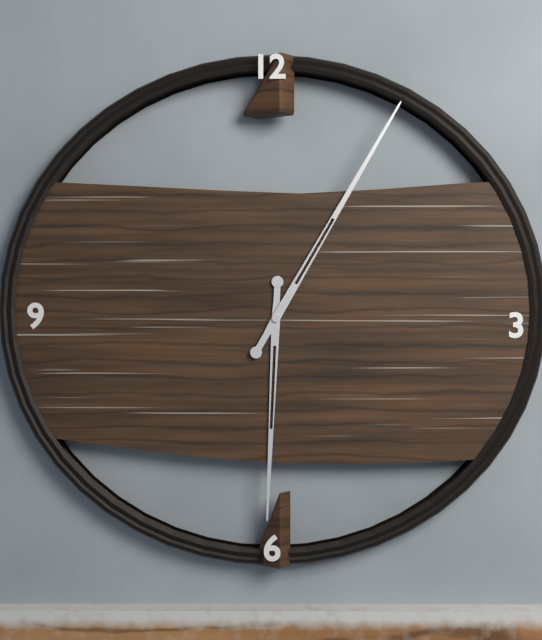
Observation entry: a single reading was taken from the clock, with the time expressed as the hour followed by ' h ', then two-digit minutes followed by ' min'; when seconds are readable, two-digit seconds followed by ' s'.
6 h 05 min
